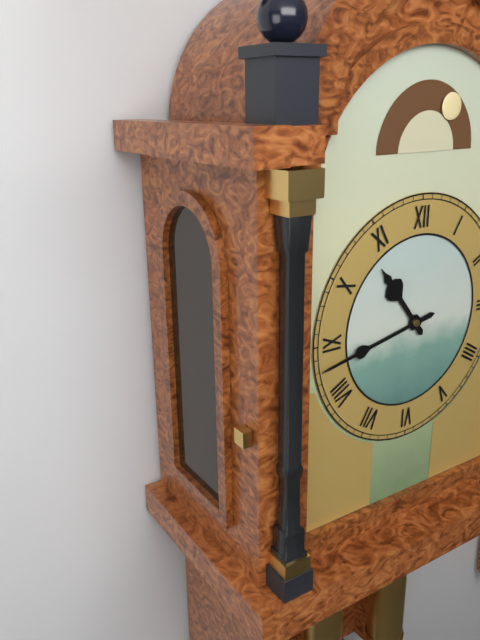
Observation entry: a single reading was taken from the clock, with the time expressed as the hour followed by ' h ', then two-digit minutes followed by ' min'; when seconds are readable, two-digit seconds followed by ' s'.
10 h 43 min
